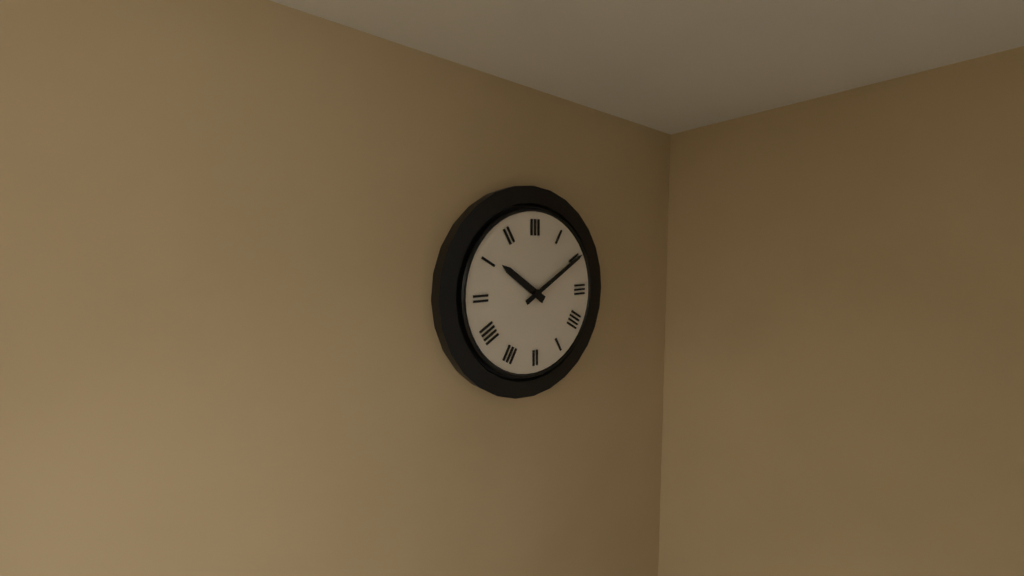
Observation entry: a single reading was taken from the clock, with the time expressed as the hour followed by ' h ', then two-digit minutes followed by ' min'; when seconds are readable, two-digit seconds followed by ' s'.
10 h 10 min
